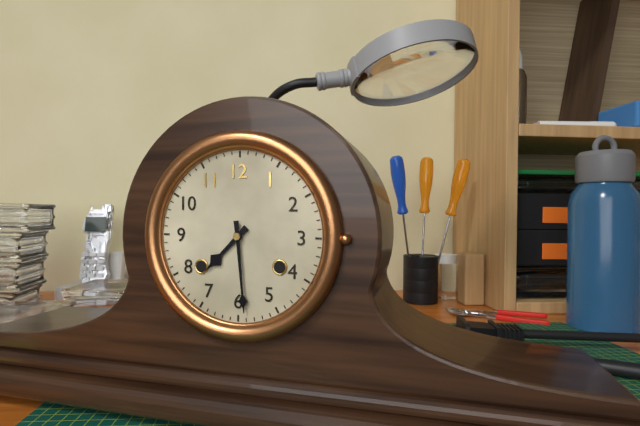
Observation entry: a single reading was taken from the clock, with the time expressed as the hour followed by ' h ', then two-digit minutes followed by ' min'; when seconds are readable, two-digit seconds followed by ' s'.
7 h 29 min
